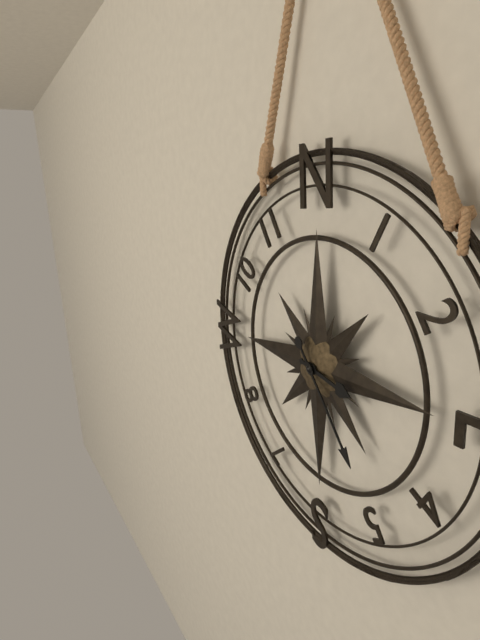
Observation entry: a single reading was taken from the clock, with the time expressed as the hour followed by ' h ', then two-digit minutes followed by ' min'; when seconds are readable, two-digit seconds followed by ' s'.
3 h 24 min
